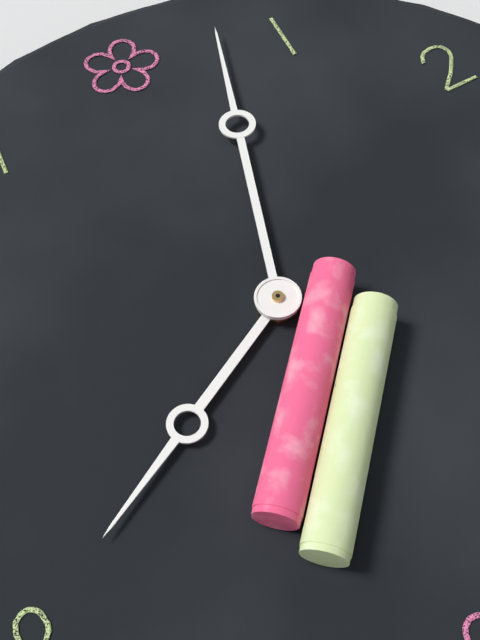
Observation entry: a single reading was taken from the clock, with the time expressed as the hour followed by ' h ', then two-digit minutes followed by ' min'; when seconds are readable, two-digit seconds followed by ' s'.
8 h 03 min
